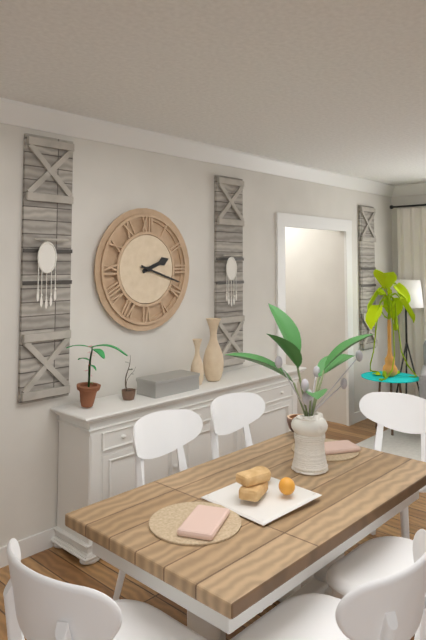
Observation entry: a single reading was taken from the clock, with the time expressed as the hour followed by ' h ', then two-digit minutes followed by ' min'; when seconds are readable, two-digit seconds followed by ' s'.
2 h 18 min
